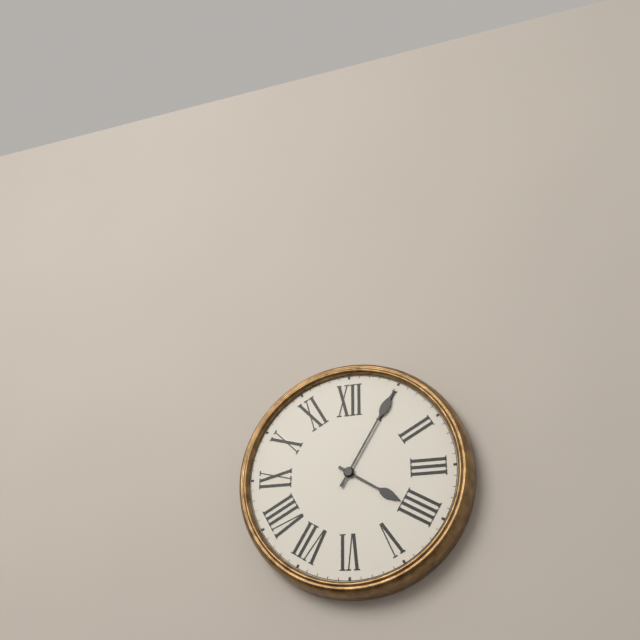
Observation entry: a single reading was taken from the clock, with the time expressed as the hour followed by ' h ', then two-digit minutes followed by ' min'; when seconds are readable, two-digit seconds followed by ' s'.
4 h 05 min
